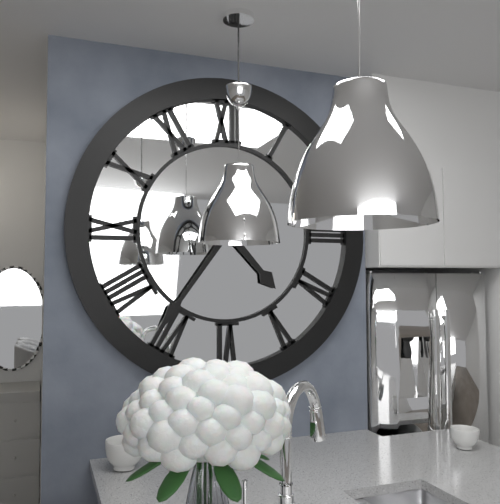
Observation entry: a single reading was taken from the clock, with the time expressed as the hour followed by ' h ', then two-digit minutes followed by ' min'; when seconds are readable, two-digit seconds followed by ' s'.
4 h 36 min
